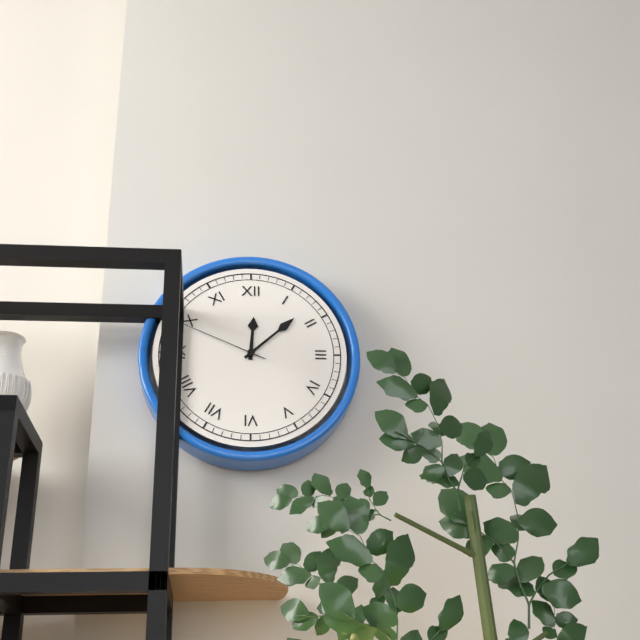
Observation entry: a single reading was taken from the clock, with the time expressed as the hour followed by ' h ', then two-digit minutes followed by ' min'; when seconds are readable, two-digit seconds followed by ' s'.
12 h 08 min 49 s
